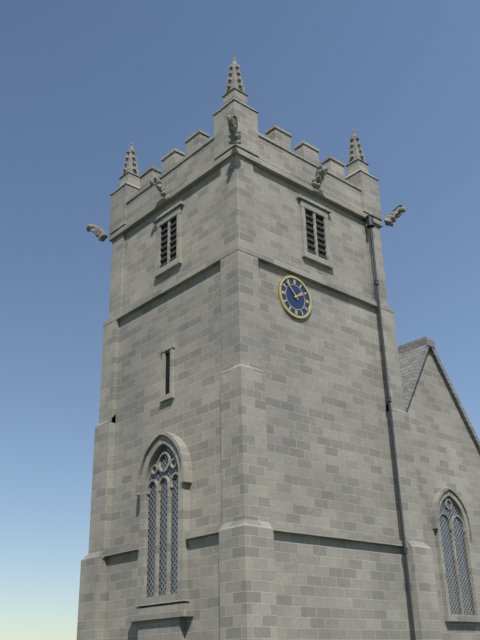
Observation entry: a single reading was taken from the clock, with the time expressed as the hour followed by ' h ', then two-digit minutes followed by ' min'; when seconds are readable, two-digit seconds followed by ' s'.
1 h 53 min
